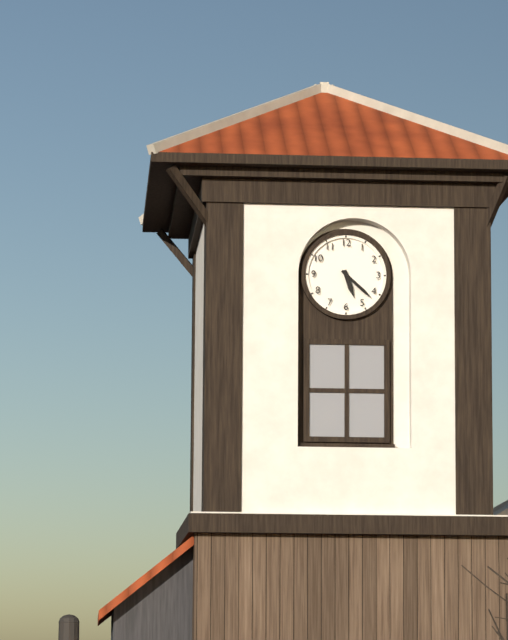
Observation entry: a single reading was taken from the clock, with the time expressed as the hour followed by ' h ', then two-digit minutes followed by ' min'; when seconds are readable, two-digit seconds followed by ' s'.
5 h 22 min
